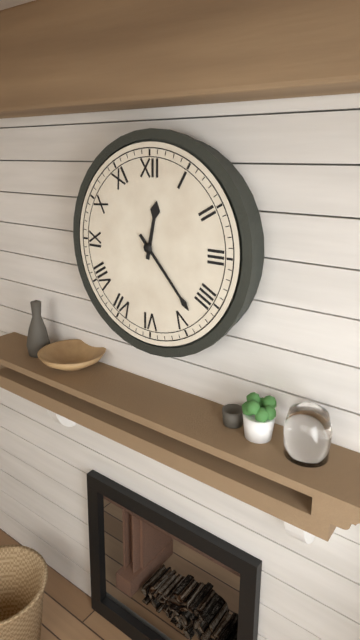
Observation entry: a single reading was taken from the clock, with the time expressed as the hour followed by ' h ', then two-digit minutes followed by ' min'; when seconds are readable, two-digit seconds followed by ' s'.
12 h 23 min
